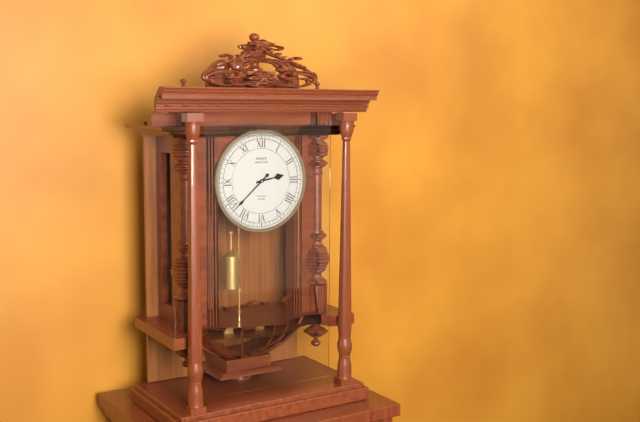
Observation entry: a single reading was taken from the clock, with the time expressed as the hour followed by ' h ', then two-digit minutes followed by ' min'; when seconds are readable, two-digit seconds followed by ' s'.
2 h 38 min
